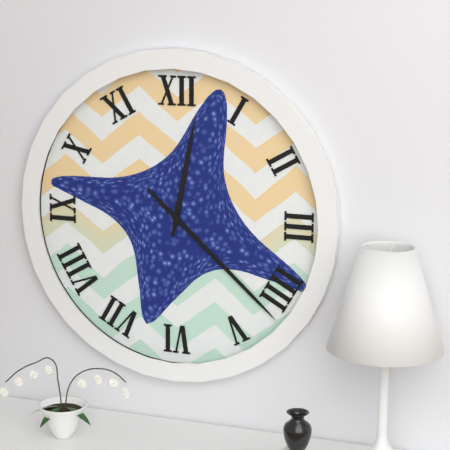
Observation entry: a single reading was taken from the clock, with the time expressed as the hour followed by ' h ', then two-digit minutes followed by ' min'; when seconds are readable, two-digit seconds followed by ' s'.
12 h 22 min
